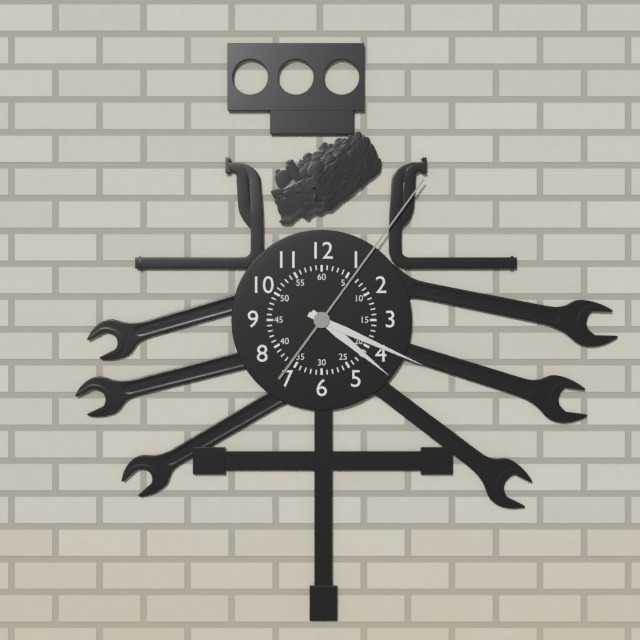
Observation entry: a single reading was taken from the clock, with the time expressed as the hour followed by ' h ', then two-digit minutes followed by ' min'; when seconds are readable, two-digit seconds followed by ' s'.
4 h 19 min 06 s
